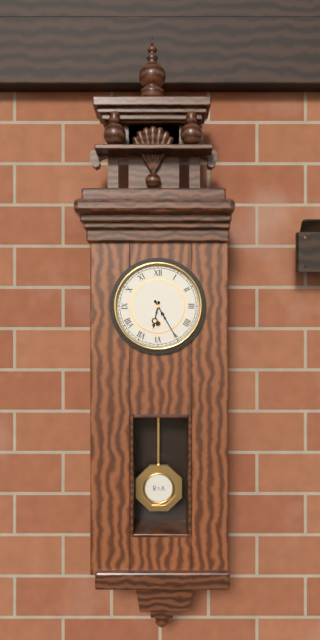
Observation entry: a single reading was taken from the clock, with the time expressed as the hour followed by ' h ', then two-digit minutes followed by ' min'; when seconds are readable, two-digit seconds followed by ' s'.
6 h 25 min
